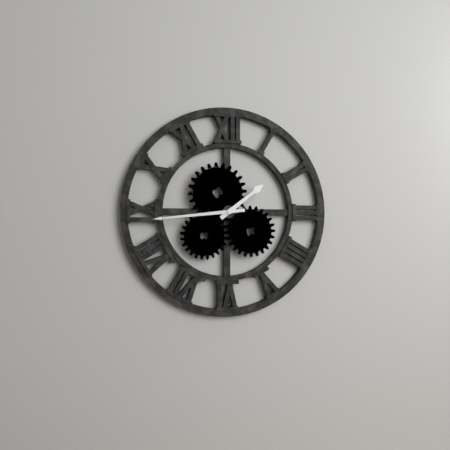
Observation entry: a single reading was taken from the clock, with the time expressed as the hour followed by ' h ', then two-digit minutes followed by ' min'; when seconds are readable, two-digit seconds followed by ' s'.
1 h 44 min
